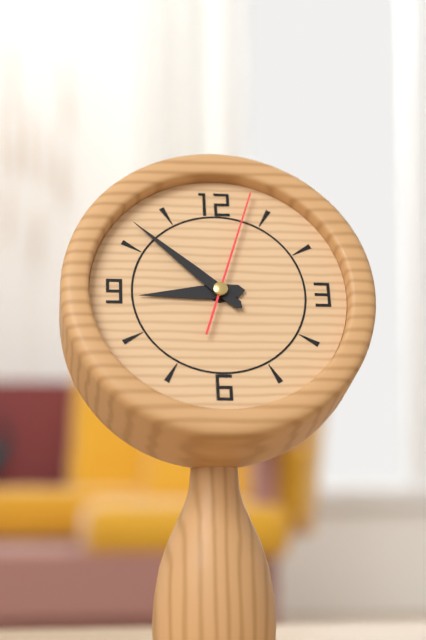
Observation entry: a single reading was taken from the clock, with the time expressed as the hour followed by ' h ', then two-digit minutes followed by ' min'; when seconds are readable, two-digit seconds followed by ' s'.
8 h 52 min 03 s
